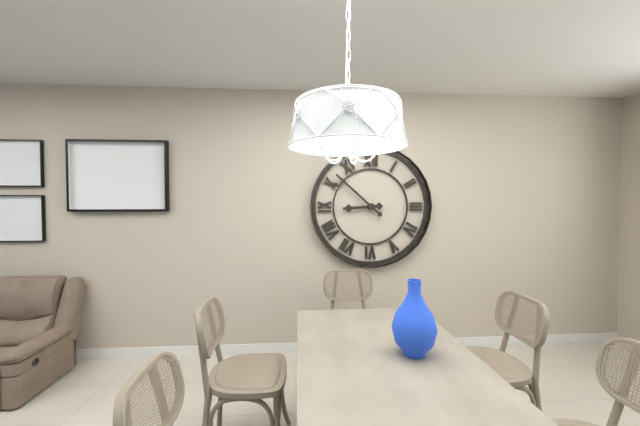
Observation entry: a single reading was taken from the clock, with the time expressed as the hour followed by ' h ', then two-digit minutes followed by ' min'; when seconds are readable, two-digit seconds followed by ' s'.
8 h 52 min
